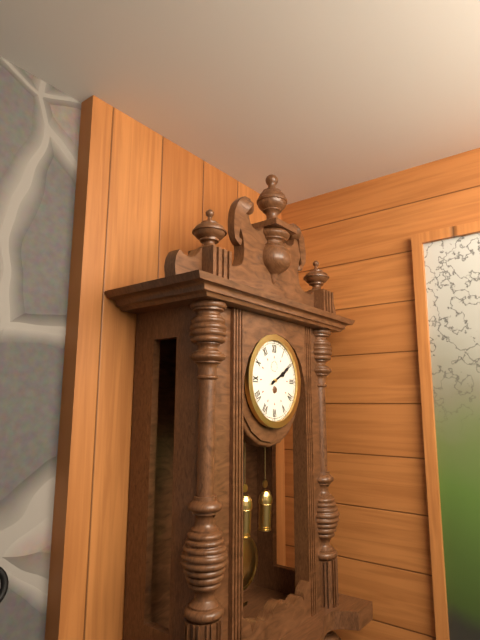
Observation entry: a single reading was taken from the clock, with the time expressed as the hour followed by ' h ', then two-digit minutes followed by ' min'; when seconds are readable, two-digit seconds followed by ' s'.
2 h 10 min
